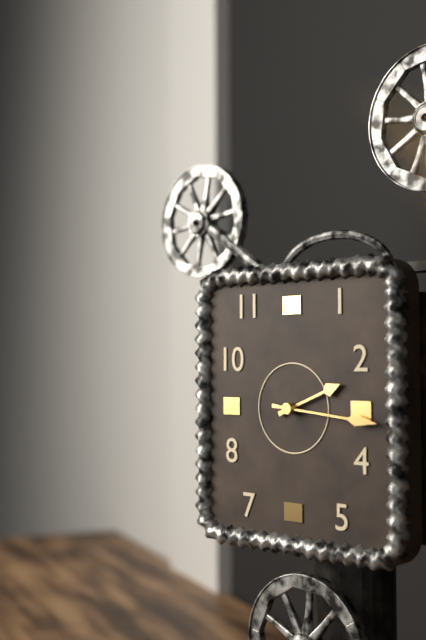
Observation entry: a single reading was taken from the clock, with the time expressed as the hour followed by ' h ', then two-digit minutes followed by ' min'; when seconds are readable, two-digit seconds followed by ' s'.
2 h 16 min
